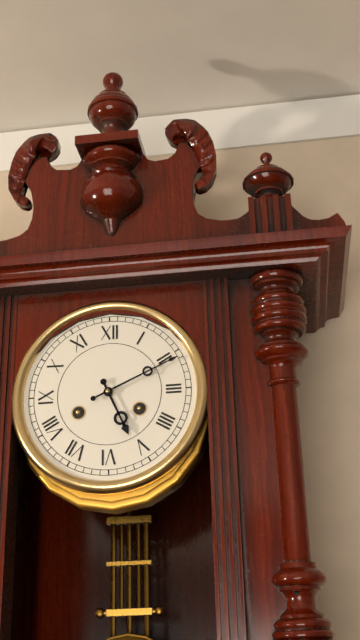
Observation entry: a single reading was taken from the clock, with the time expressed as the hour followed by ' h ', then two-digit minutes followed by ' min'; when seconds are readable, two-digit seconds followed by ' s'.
5 h 11 min
